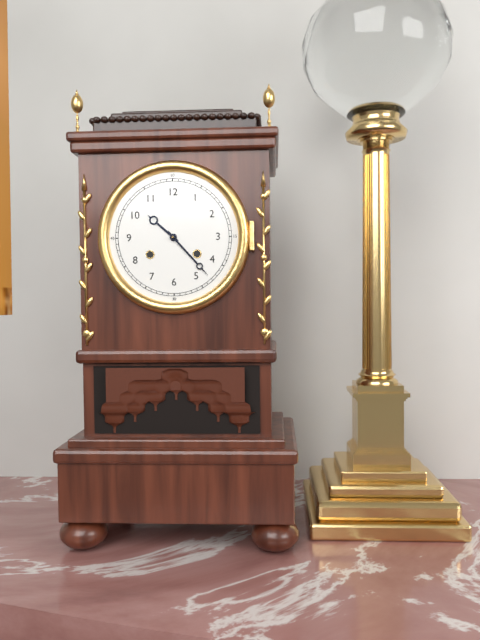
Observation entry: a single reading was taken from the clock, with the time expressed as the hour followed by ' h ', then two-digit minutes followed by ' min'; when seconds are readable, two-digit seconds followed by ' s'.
10 h 23 min
